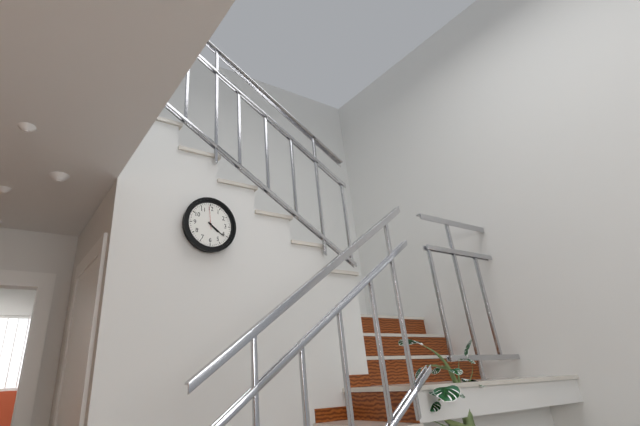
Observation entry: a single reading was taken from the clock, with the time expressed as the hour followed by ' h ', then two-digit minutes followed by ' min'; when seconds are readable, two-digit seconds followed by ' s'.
4 h 21 min
